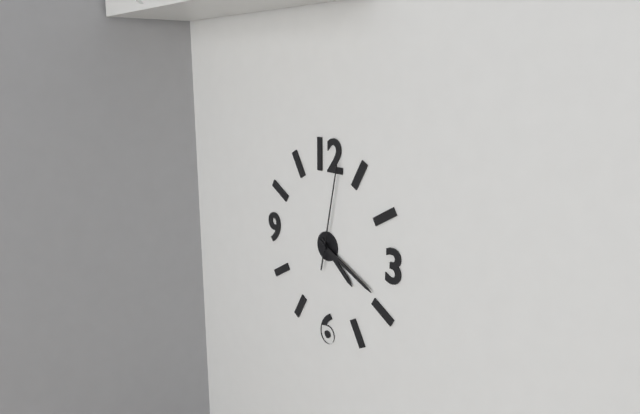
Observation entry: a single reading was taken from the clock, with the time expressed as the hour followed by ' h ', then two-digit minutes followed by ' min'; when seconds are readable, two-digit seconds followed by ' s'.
4 h 19 min 02 s
